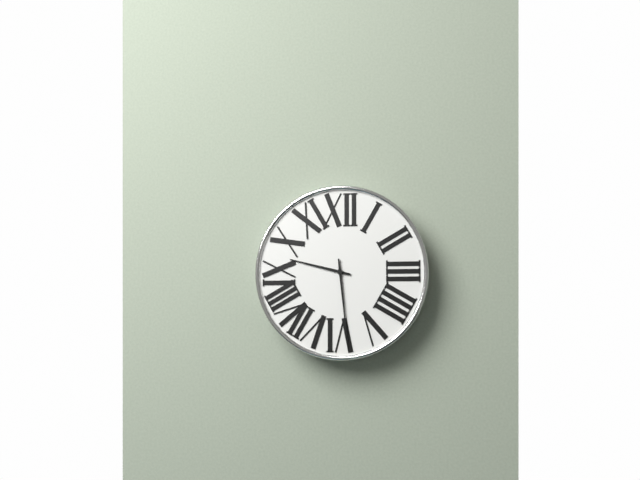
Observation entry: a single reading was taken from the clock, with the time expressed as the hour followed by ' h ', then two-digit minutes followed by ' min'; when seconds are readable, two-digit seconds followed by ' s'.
9 h 29 min
